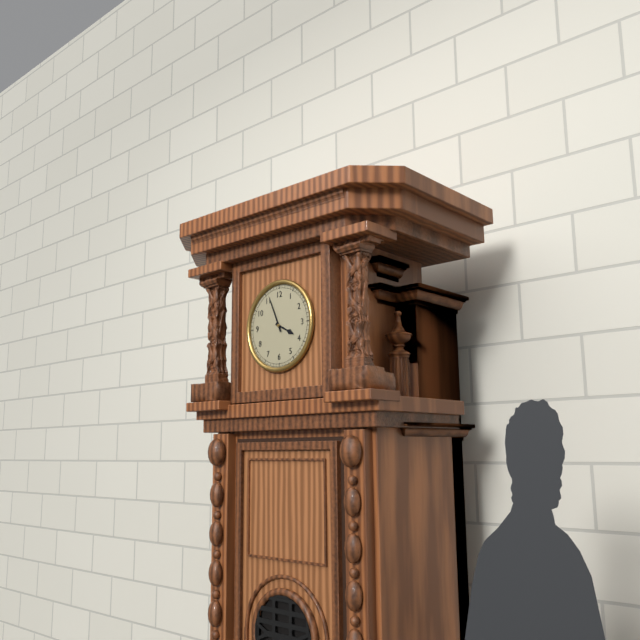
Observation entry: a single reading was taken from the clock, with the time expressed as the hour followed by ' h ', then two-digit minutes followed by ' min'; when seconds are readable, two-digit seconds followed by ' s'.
3 h 56 min
